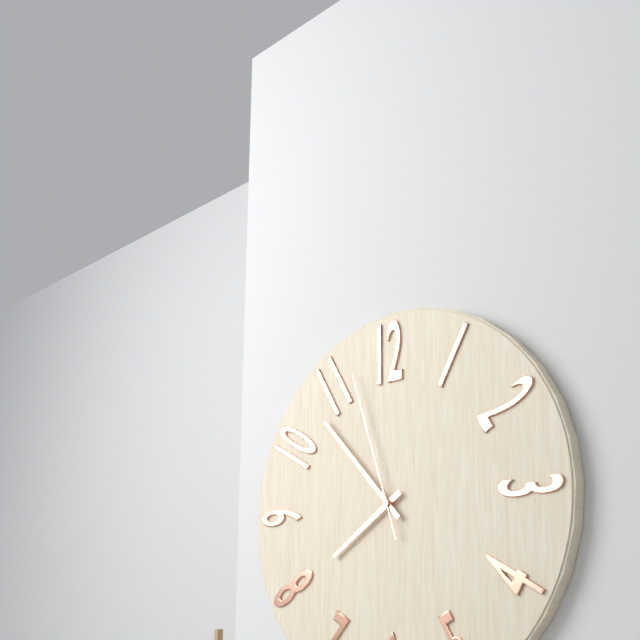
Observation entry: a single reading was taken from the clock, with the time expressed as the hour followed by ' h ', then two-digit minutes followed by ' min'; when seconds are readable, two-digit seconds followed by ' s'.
7 h 53 min 57 s
